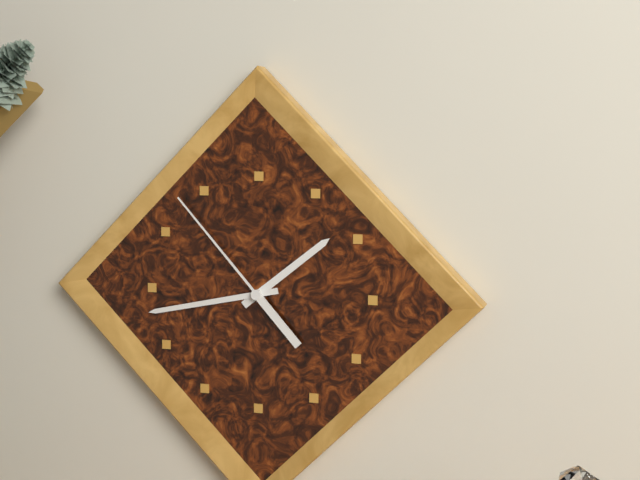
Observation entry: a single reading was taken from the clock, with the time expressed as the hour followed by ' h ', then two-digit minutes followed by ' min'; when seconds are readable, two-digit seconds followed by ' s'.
1 h 43 min 53 s
